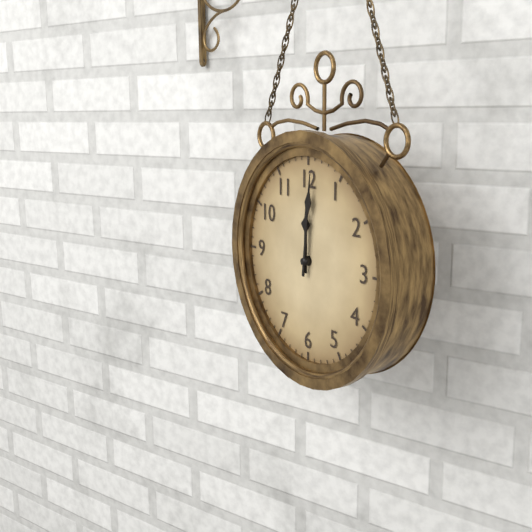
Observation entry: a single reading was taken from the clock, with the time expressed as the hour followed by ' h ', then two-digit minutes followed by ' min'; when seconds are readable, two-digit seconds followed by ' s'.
12 h 01 min
